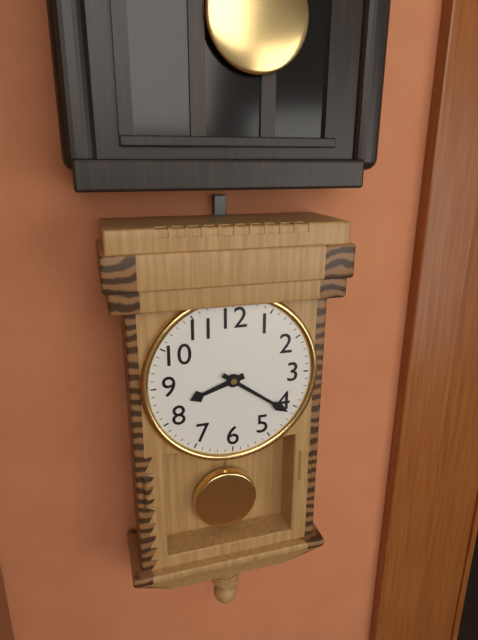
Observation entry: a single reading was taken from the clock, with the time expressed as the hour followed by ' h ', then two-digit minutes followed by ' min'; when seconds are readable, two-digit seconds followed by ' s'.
8 h 21 min
